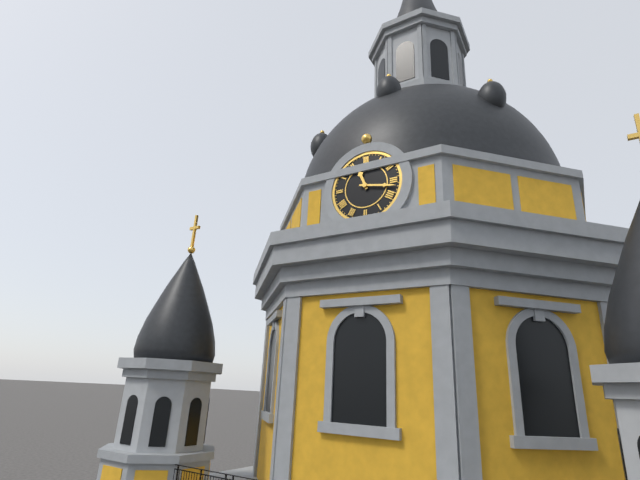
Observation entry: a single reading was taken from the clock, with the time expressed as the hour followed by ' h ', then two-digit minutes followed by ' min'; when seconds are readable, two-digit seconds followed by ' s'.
11 h 17 min
